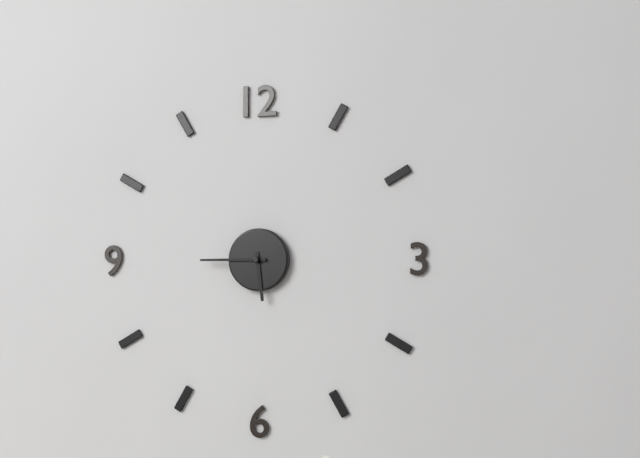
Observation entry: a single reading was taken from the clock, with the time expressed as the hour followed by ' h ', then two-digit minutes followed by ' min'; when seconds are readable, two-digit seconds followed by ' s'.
5 h 45 min
